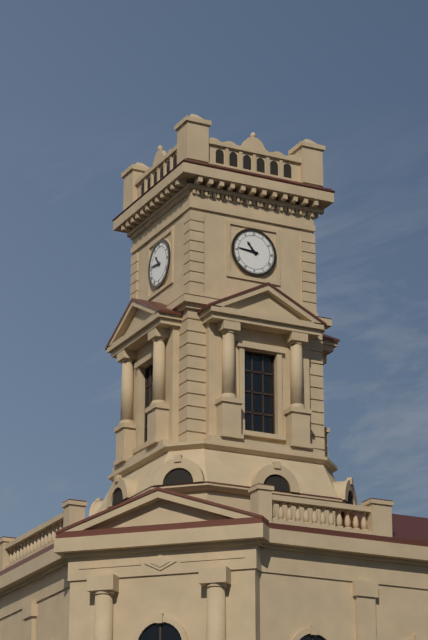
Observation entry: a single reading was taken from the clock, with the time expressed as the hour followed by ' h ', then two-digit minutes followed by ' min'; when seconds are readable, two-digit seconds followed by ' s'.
10 h 46 min
